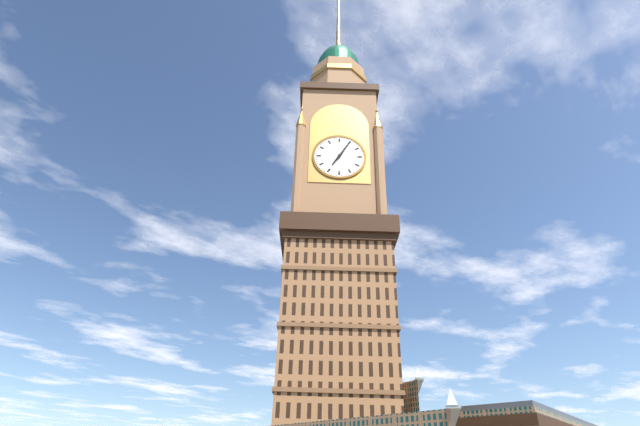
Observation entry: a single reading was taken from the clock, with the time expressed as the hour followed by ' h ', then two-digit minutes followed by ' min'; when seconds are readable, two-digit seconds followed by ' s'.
7 h 05 min
